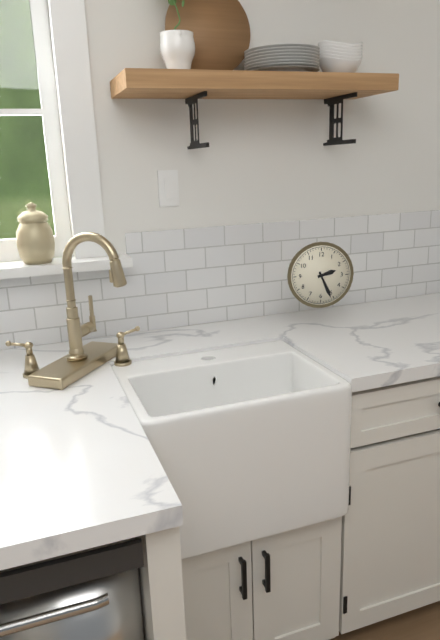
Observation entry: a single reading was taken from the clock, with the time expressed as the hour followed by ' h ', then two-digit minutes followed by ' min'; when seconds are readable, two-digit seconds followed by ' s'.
2 h 26 min
